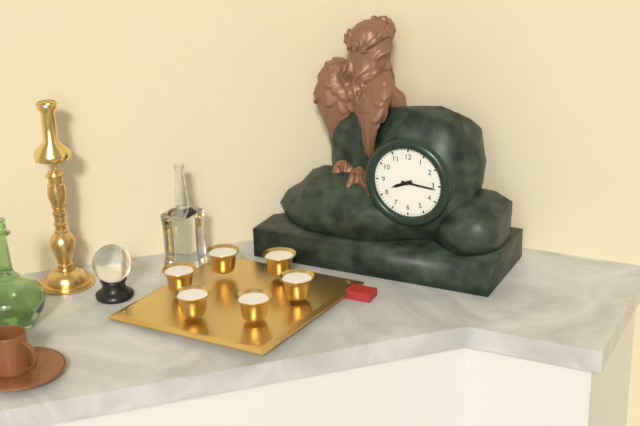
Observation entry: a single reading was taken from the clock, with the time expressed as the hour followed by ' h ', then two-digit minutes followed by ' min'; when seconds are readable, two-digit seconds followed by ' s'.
8 h 16 min
